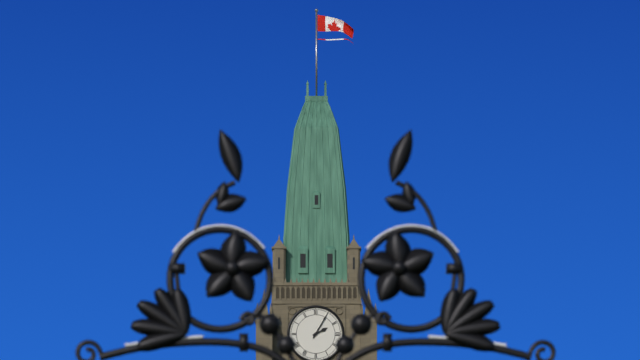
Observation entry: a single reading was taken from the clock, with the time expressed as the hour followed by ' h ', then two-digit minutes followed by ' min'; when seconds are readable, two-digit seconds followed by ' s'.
2 h 05 min
